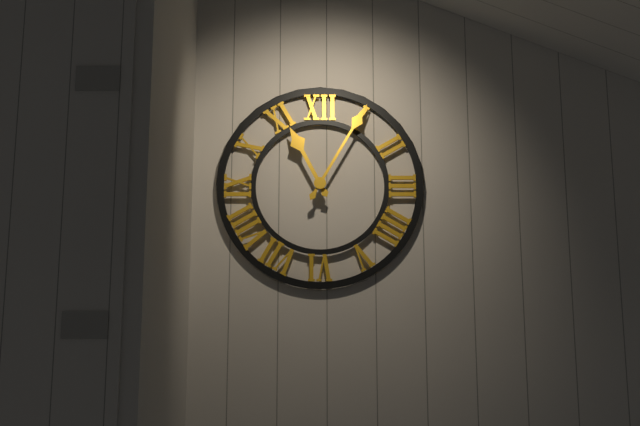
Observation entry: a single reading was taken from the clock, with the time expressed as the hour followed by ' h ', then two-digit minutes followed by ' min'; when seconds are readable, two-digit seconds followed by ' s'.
11 h 05 min
